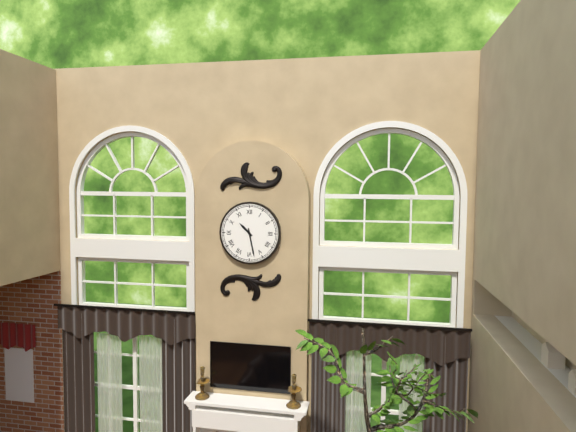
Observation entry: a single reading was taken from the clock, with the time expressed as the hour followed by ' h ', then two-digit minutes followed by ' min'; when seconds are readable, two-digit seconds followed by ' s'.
10 h 28 min
